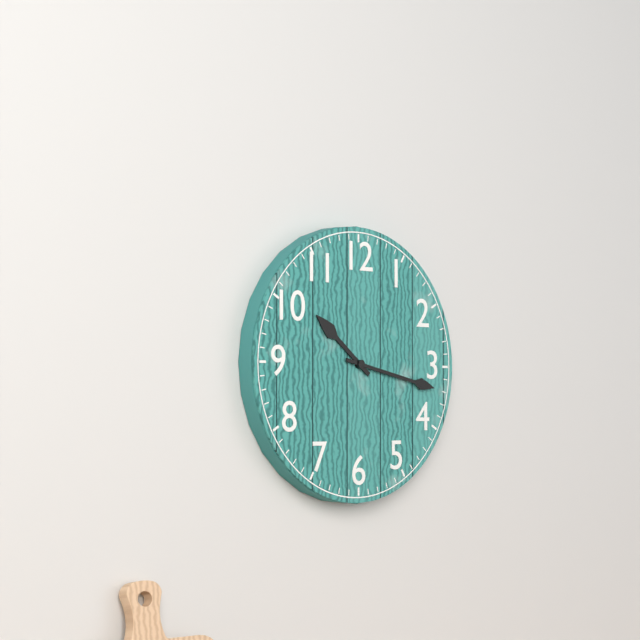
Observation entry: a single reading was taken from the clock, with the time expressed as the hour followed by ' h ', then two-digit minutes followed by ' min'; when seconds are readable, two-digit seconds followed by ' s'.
10 h 17 min
